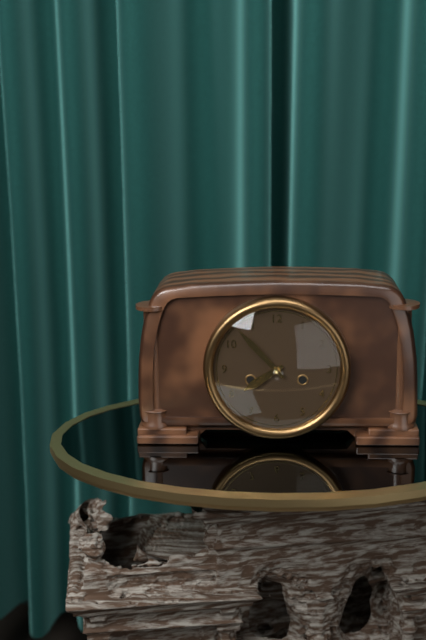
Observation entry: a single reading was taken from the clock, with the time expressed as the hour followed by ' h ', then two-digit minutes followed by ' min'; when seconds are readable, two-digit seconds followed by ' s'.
7 h 53 min
